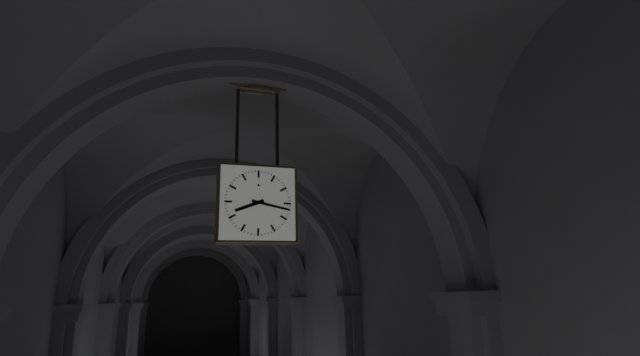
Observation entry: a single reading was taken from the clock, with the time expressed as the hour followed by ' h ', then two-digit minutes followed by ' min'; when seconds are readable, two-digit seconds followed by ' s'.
8 h 17 min
